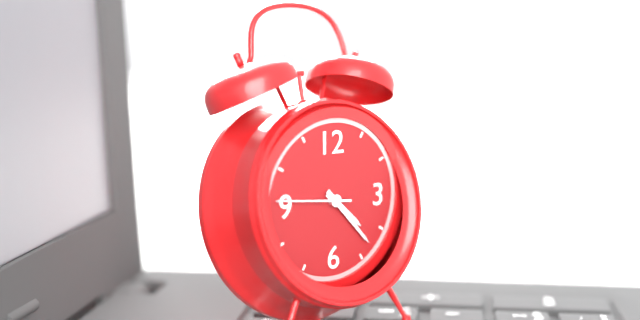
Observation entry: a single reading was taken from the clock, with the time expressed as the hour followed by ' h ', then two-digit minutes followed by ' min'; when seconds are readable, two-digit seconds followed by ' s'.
4 h 23 min 46 s
